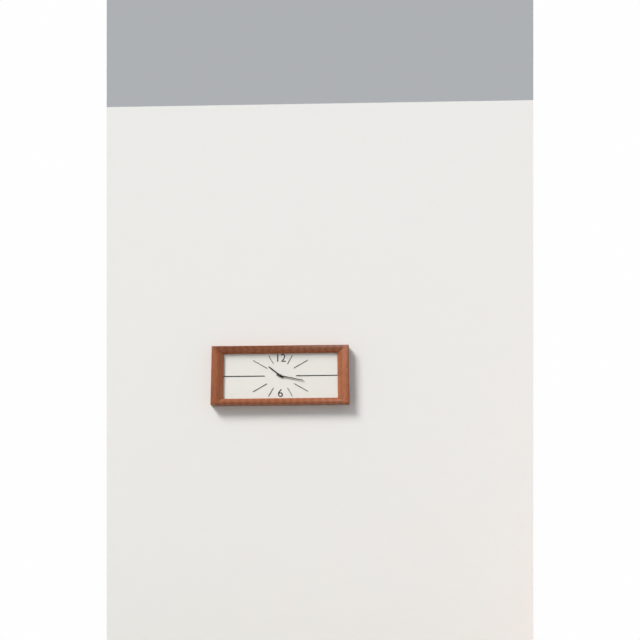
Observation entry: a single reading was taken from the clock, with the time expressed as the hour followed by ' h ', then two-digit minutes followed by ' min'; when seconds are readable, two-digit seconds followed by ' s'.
10 h 17 min
